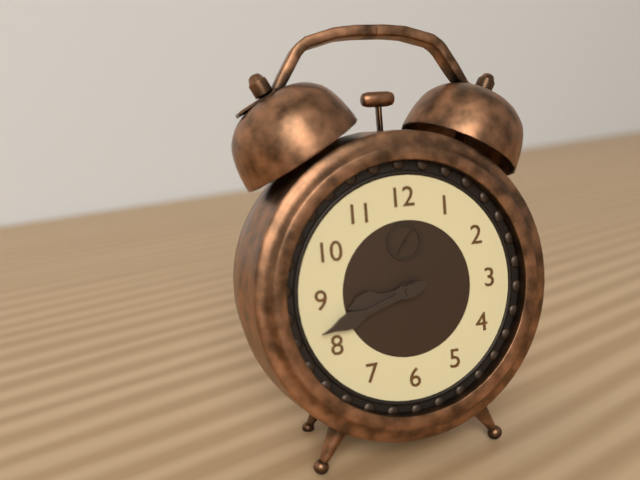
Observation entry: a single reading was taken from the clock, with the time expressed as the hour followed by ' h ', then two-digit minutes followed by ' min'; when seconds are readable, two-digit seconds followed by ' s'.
8 h 42 min
